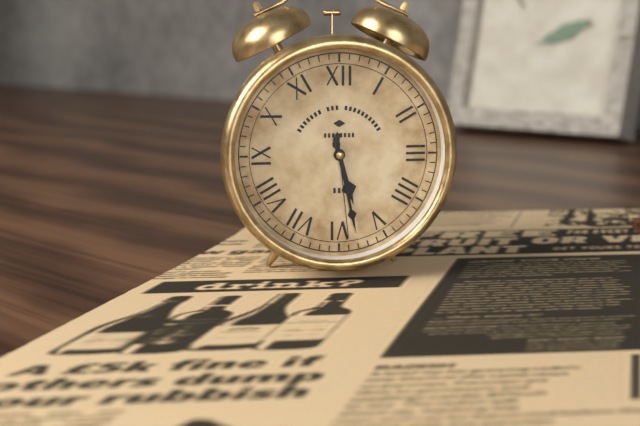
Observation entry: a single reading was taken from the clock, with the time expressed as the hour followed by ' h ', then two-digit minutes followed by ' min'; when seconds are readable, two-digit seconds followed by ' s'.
5 h 28 min 29 s
